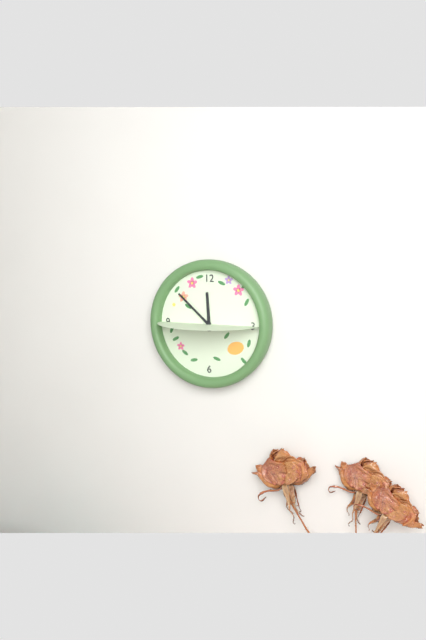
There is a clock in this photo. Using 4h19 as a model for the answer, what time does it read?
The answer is 11h52
